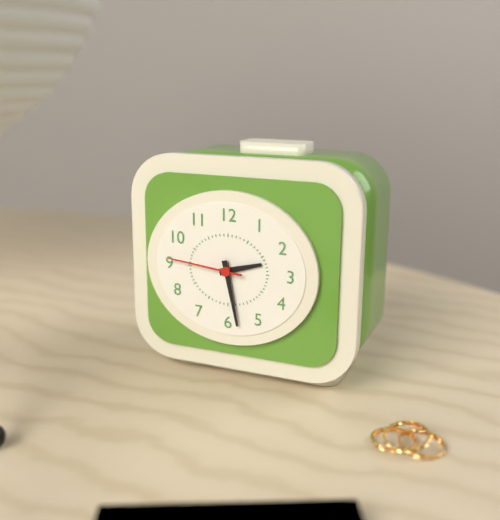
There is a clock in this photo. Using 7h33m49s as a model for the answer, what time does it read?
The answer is 2h28m46s
